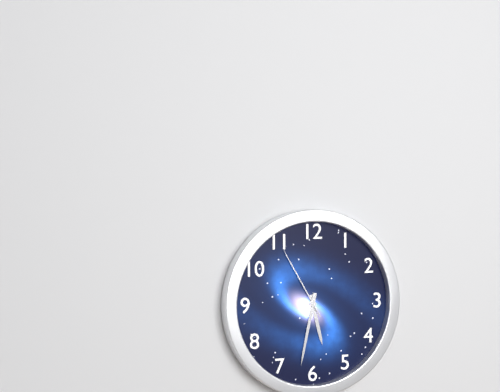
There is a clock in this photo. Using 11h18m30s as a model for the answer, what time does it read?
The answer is 5h32m55s
